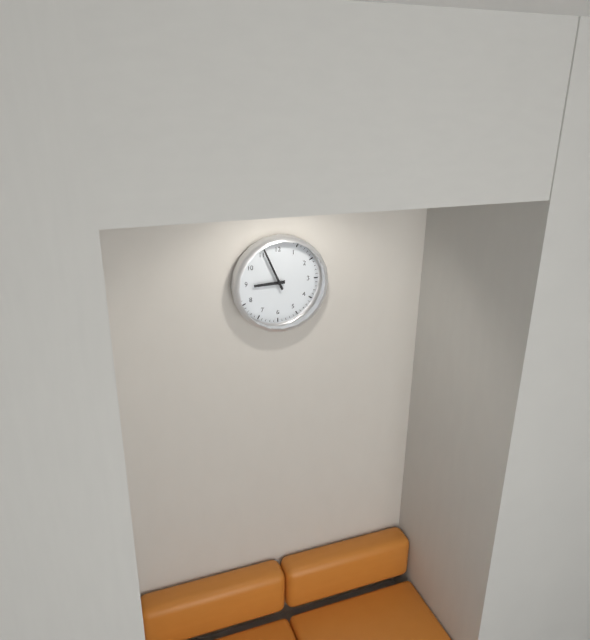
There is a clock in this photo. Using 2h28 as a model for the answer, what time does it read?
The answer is 8h56
